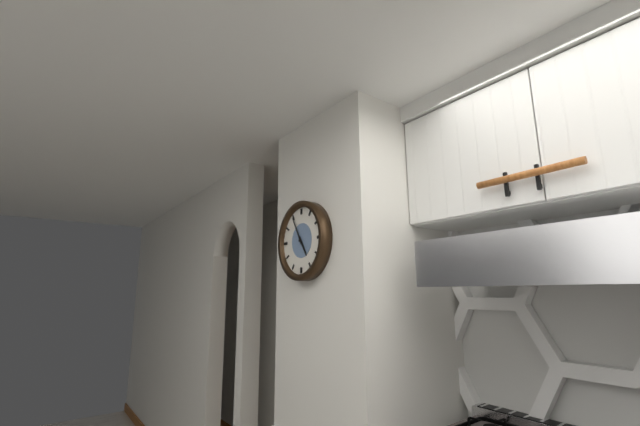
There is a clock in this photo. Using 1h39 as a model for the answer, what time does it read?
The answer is 4h55
